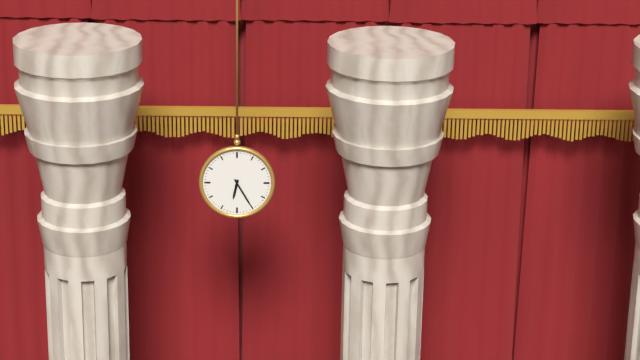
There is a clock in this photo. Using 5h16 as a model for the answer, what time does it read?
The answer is 6h25
